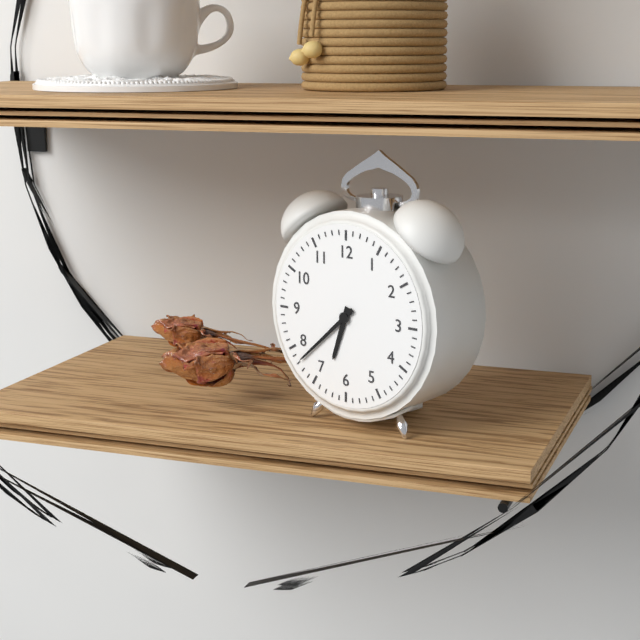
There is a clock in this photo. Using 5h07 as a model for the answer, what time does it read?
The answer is 6h38
